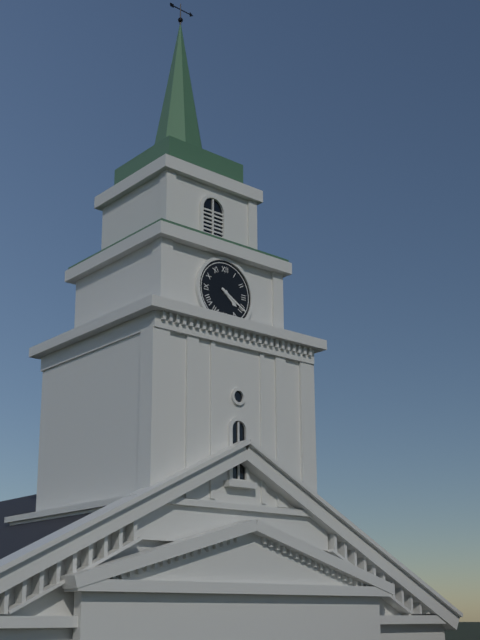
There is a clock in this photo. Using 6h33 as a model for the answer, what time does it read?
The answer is 4h20
